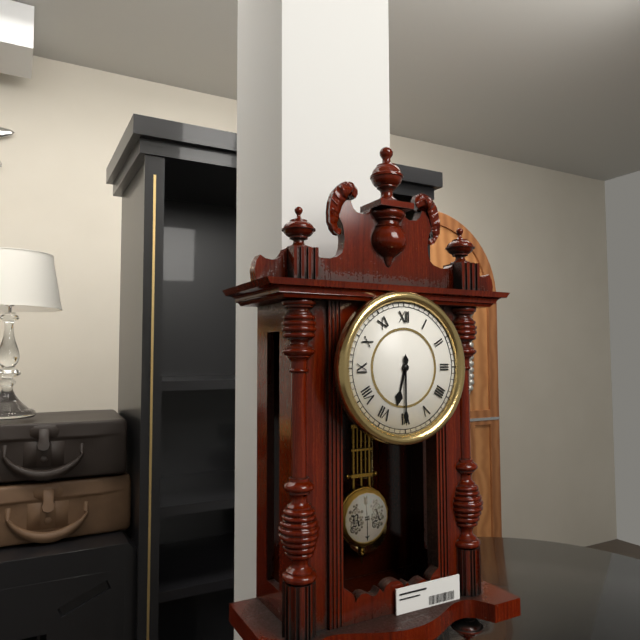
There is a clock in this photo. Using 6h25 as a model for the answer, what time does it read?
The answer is 6h30
